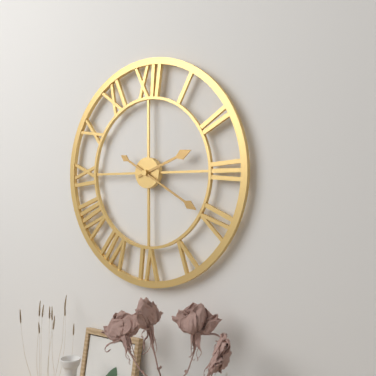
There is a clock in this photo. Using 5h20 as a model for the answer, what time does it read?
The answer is 2h20
